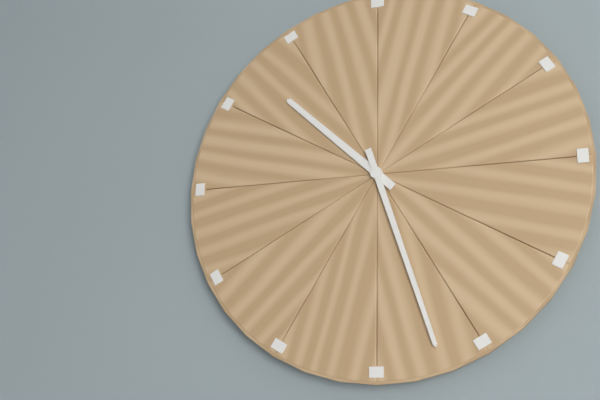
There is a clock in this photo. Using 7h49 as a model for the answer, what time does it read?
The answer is 10h27
